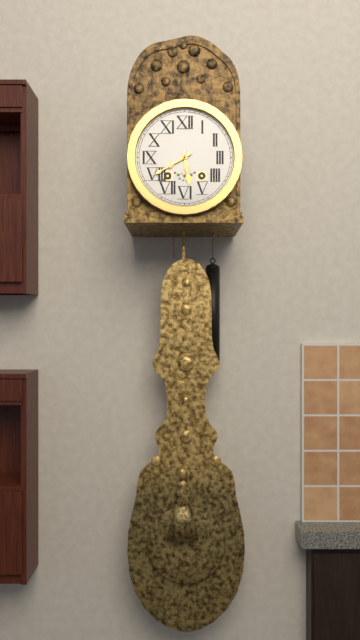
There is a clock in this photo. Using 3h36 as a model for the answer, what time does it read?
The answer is 5h40
